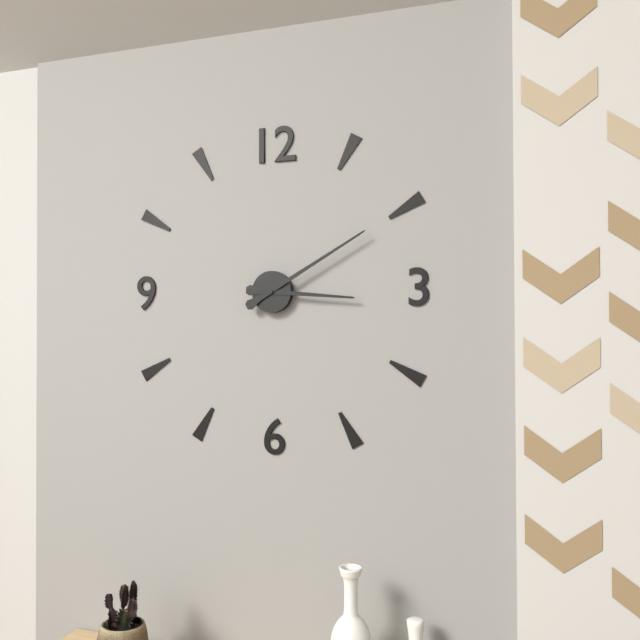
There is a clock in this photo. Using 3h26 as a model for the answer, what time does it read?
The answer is 3h10
